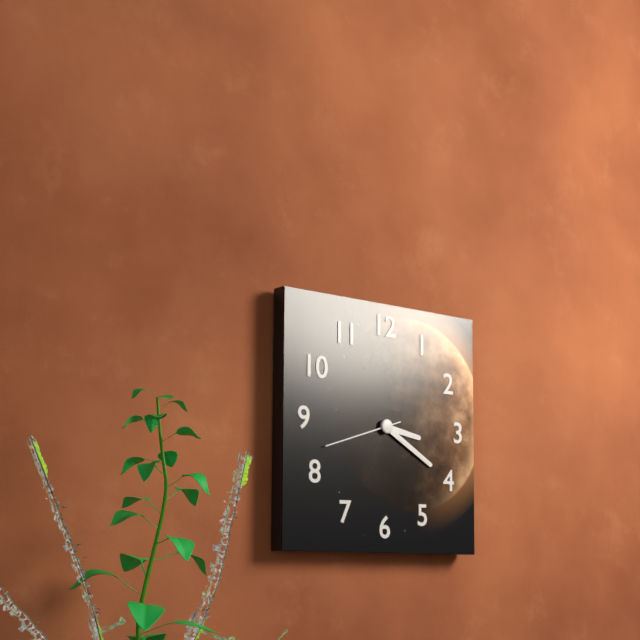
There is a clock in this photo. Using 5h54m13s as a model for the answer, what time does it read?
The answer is 3h20m42s
